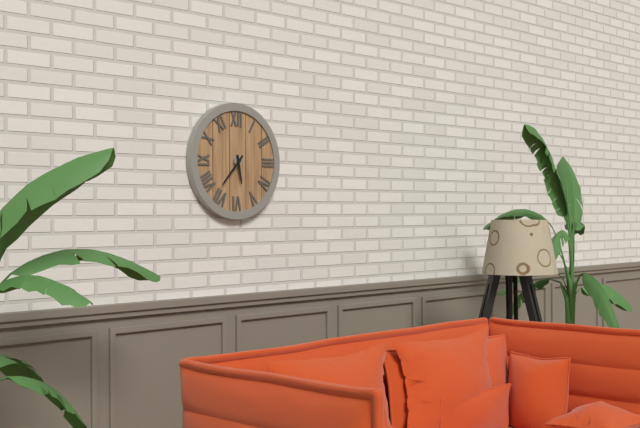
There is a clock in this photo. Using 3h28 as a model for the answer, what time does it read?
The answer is 5h37
